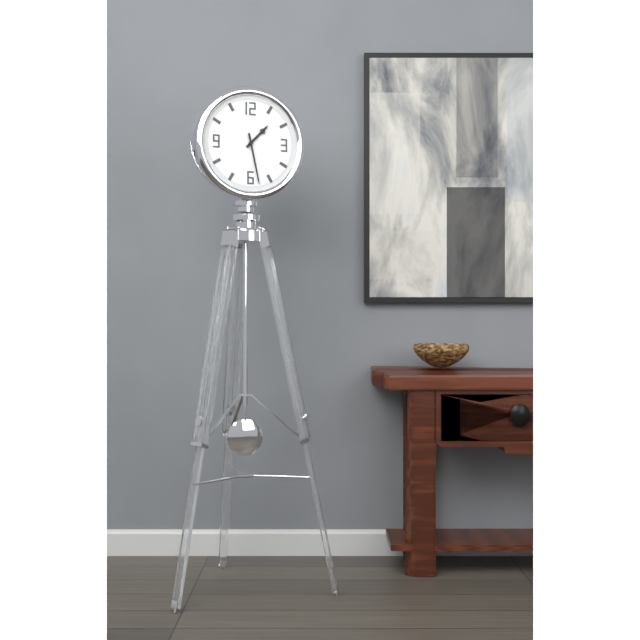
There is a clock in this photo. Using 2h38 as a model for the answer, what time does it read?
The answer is 1h28
